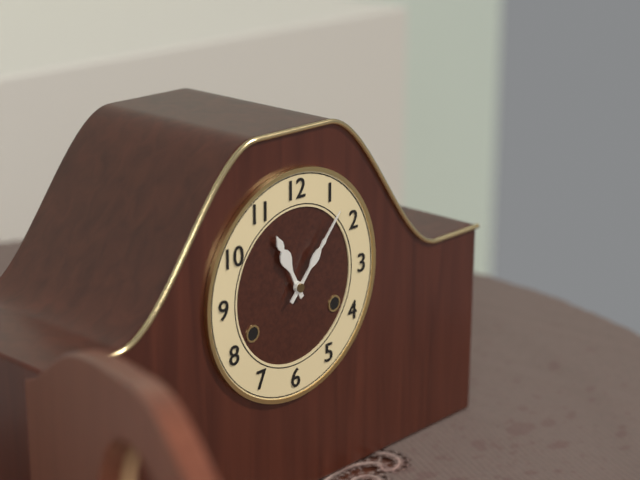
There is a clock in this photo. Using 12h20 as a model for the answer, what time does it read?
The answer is 11h07
